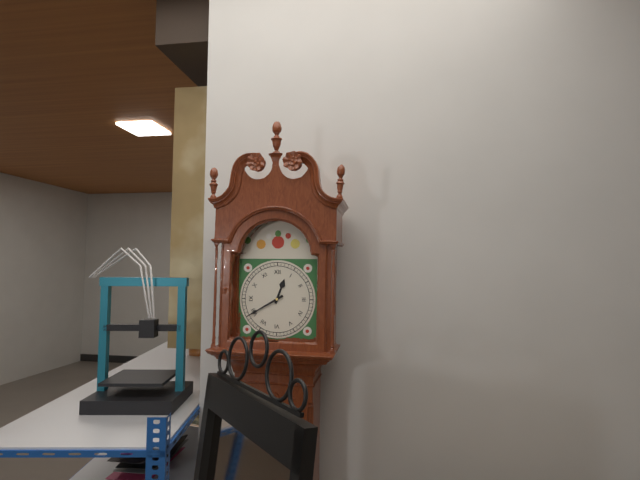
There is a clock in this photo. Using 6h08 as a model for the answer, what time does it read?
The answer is 12h40
